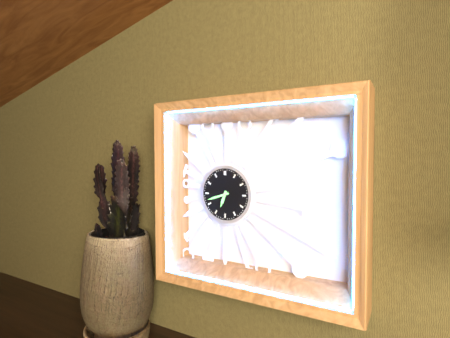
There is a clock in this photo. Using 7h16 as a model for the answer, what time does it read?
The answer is 6h42
